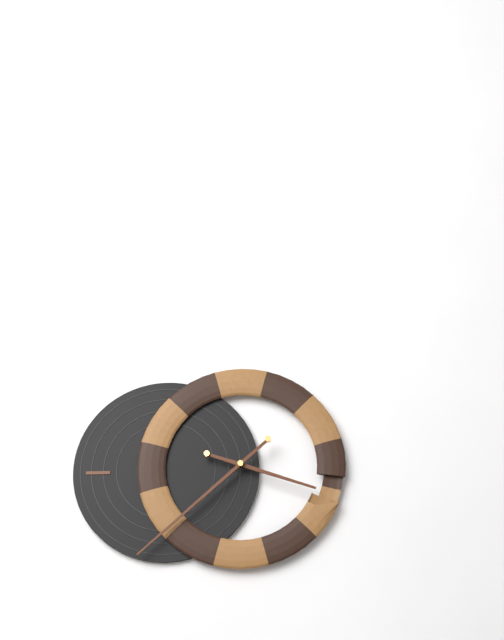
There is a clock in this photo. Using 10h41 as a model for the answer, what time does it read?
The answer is 3h38
